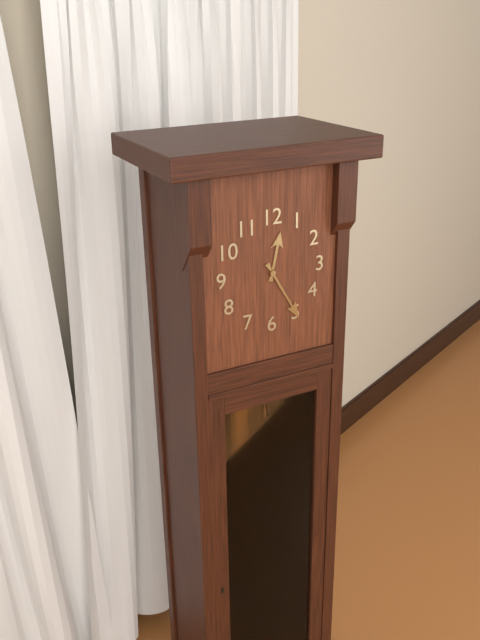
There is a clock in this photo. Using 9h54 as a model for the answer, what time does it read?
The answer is 12h25
